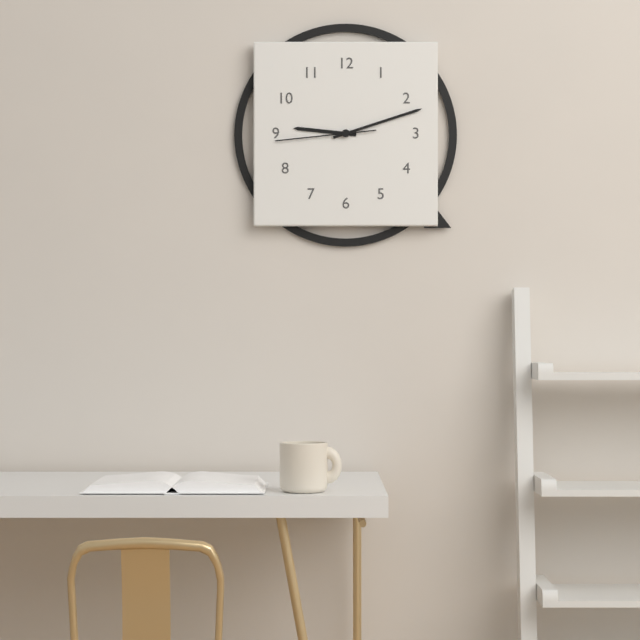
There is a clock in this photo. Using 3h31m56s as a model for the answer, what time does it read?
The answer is 9h12m44s
